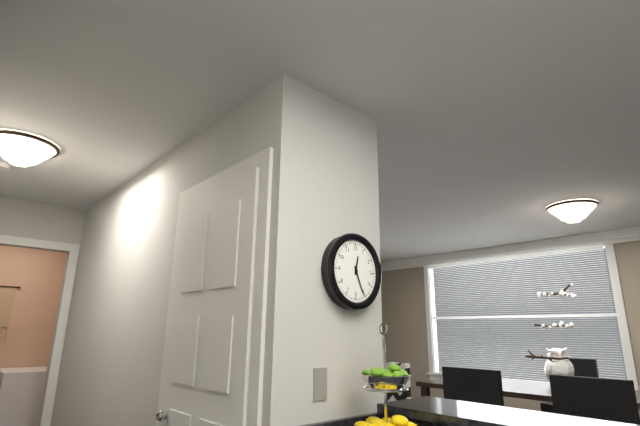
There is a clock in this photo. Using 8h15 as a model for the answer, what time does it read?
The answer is 12h26
